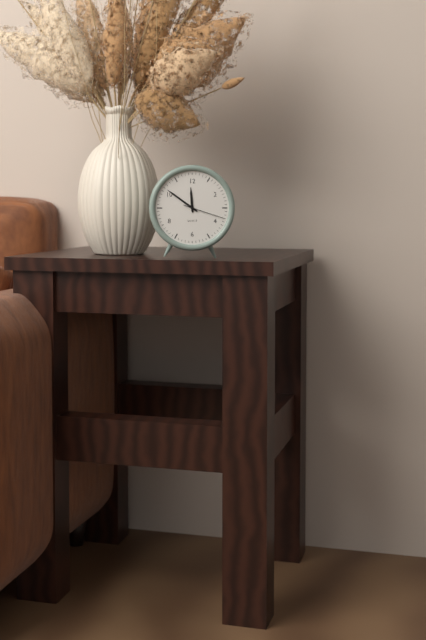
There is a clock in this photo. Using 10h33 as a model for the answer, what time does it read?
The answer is 11h51
